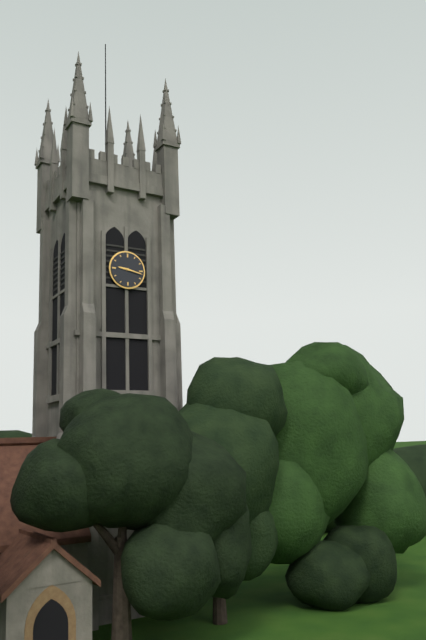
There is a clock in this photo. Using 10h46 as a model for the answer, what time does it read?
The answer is 9h17
